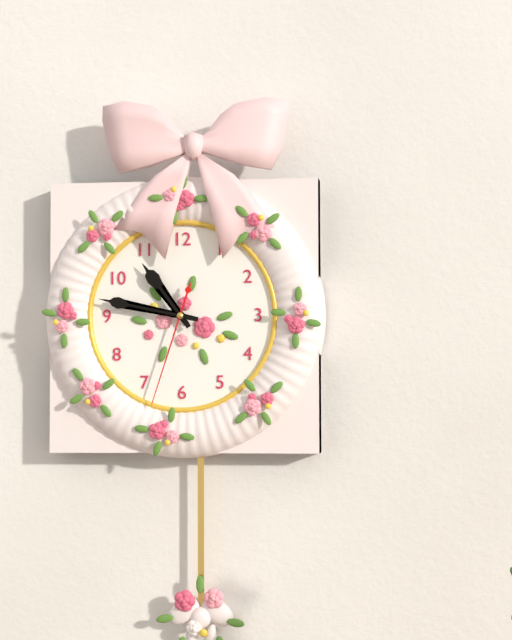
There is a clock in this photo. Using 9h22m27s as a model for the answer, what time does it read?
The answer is 10h47m33s
